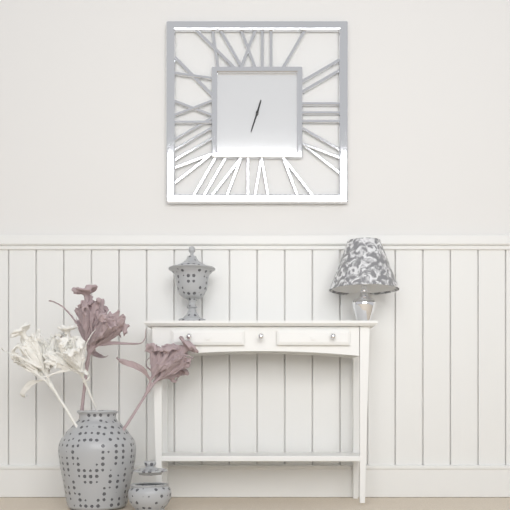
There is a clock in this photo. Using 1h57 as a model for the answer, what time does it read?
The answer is 12h33
